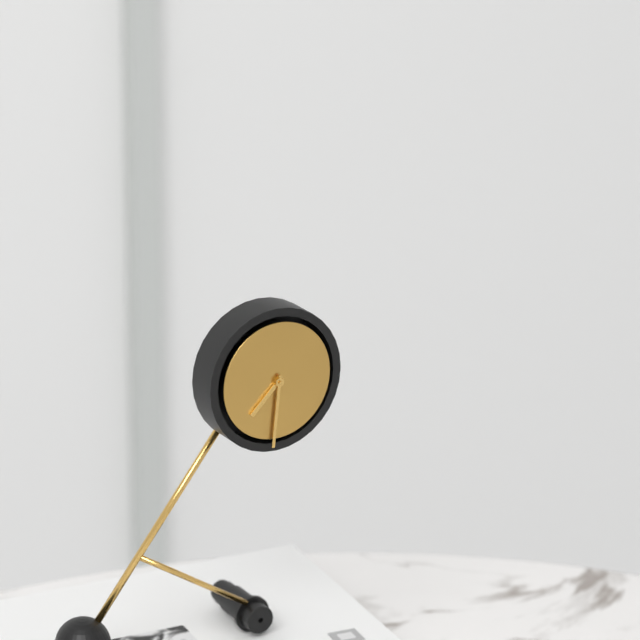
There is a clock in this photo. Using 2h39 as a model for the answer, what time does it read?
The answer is 7h31
